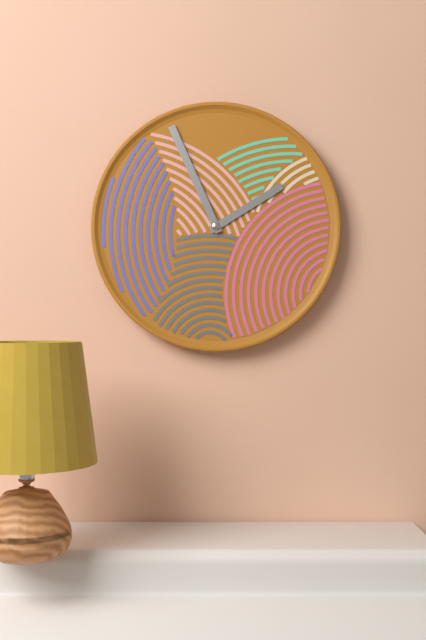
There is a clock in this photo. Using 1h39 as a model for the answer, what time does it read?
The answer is 1h56
